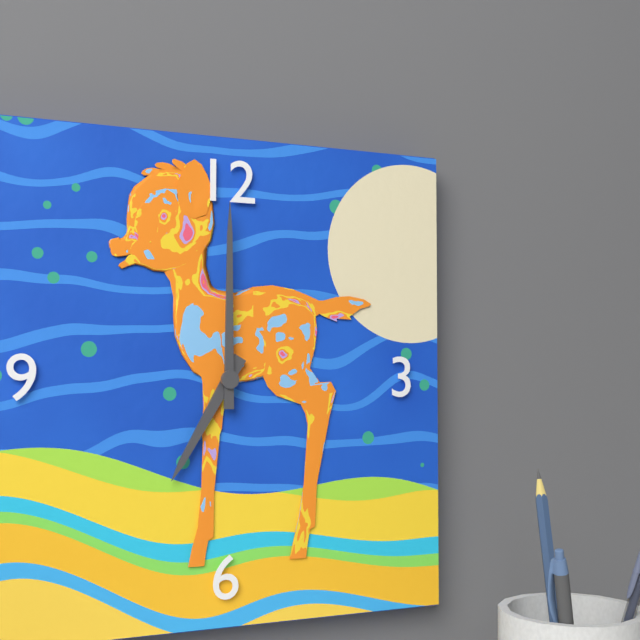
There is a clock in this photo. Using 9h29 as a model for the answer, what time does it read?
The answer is 7h00
